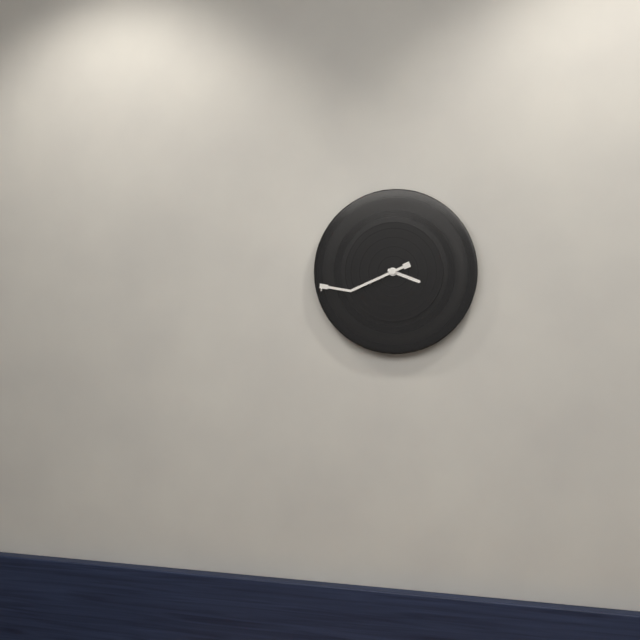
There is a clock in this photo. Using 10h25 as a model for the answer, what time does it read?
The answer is 3h41
